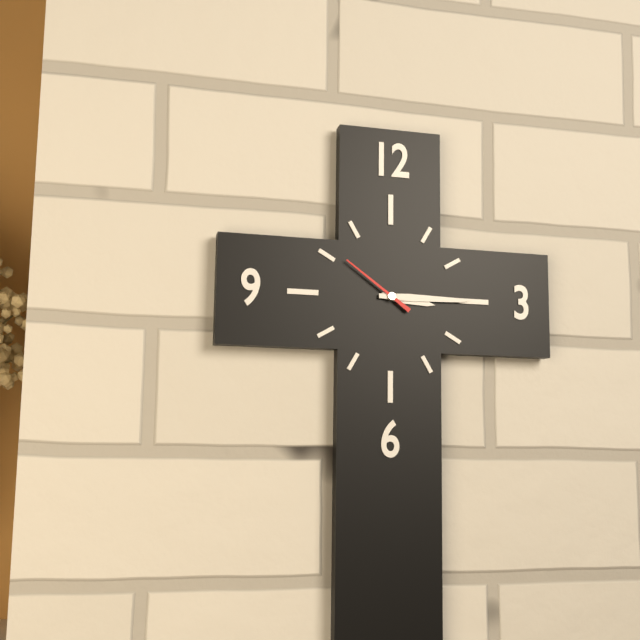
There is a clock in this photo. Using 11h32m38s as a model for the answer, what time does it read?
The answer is 3h15m51s
